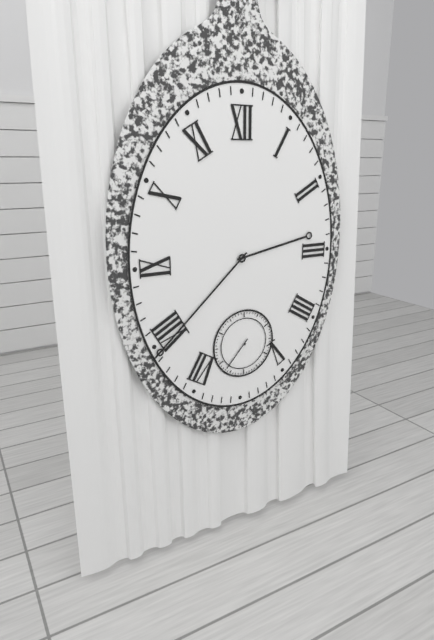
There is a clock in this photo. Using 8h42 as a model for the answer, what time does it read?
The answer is 2h38
